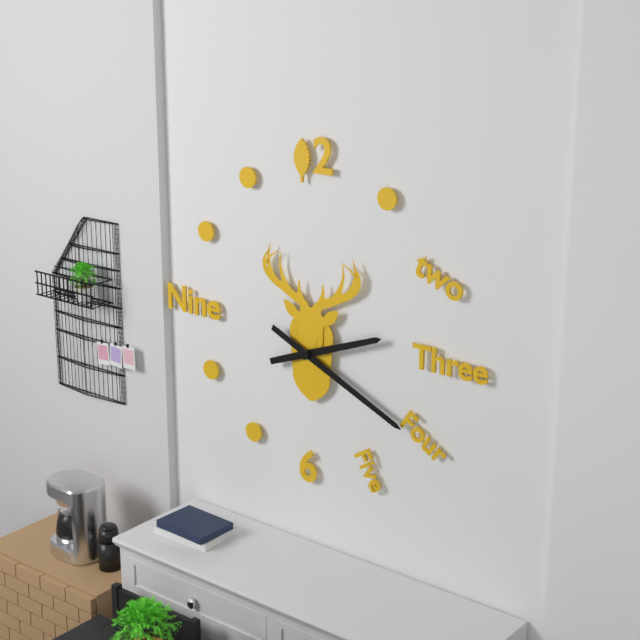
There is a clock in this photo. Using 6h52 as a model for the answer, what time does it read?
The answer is 2h19
